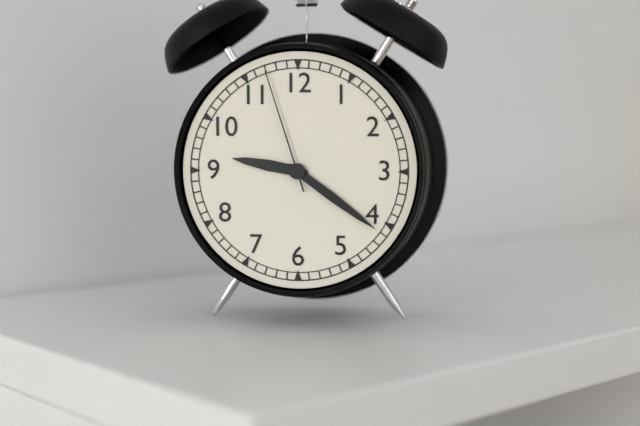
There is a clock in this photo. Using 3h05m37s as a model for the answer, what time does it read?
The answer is 9h21m57s
